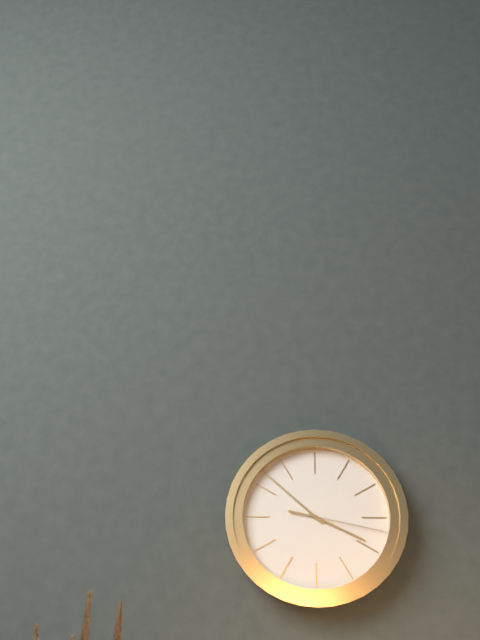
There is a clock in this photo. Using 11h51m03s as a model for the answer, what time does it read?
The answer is 3h52m17s
